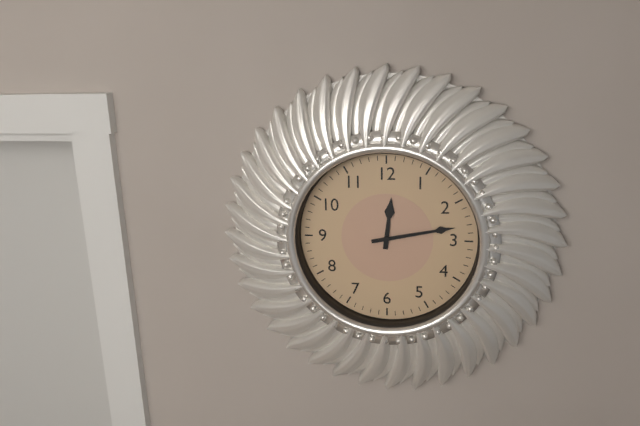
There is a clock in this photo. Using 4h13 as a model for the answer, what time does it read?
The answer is 12h13
